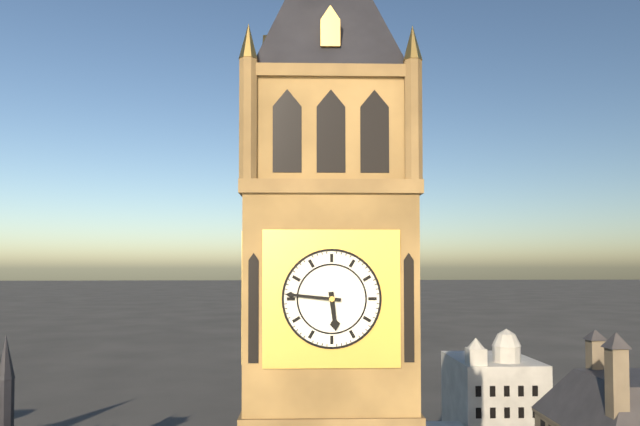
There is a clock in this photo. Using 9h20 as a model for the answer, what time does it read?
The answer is 5h46
